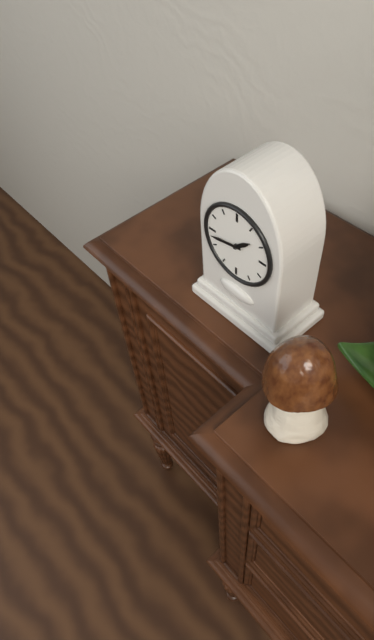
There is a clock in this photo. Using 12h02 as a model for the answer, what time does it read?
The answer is 1h43
